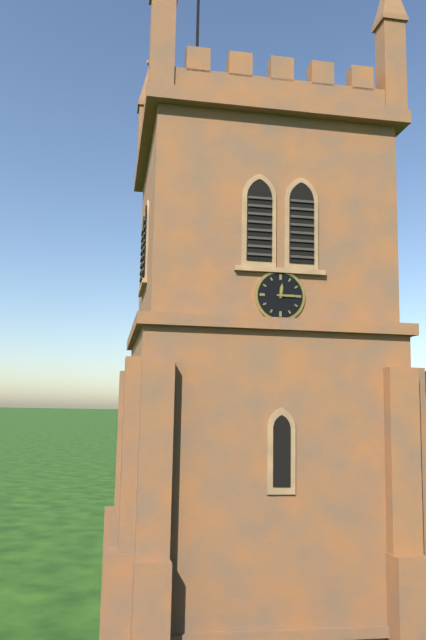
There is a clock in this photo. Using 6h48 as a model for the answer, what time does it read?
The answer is 12h15
